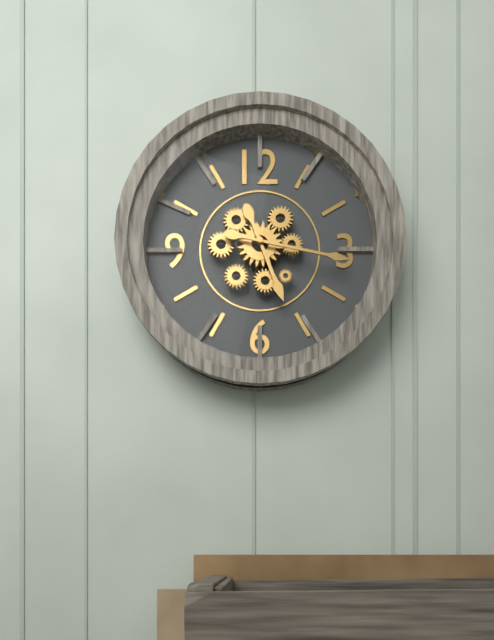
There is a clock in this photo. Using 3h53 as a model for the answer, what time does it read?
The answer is 5h17
